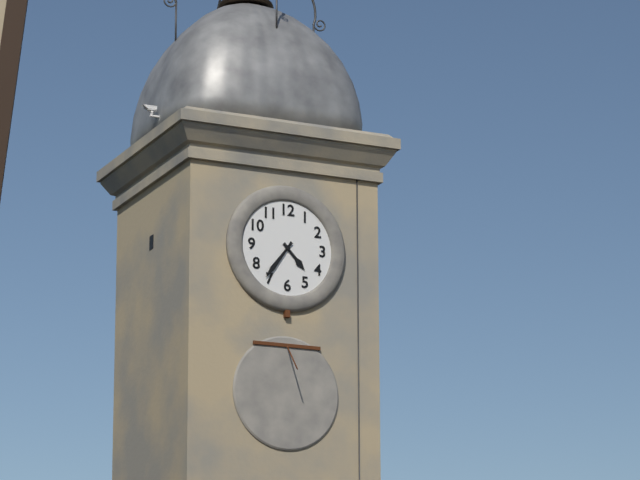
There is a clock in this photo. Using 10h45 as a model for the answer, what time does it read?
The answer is 4h36
